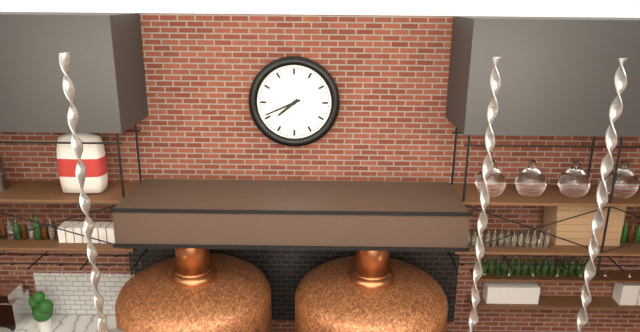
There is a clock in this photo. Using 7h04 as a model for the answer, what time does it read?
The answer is 7h41
